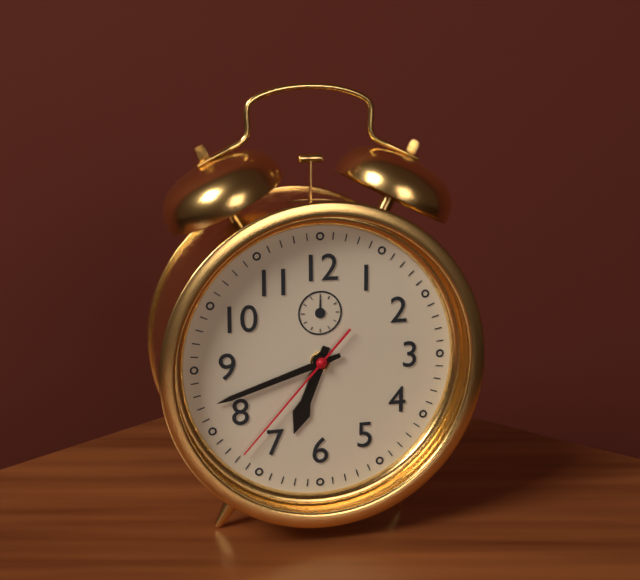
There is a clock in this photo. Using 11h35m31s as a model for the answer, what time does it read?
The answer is 6h42m37s
